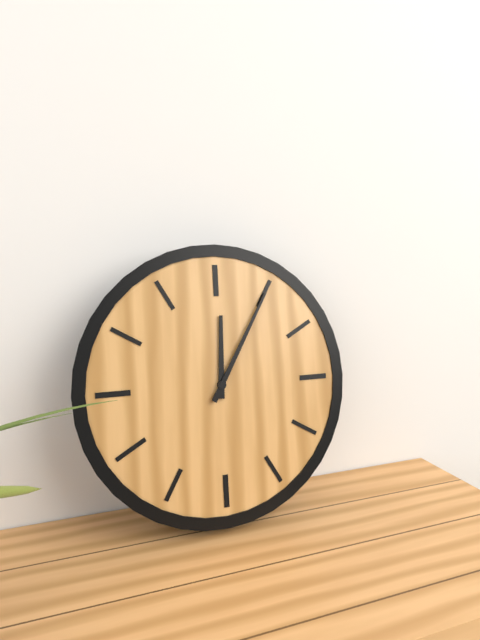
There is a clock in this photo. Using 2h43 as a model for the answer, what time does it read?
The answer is 12h05
